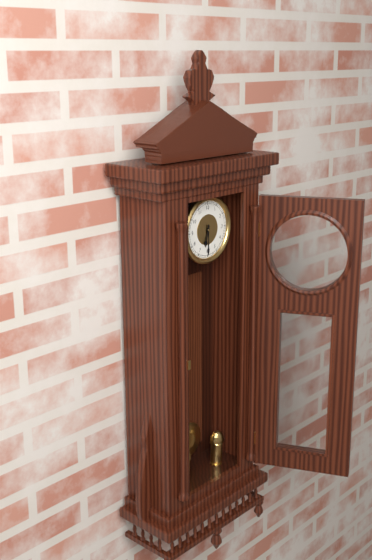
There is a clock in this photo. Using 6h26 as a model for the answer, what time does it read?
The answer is 6h30
